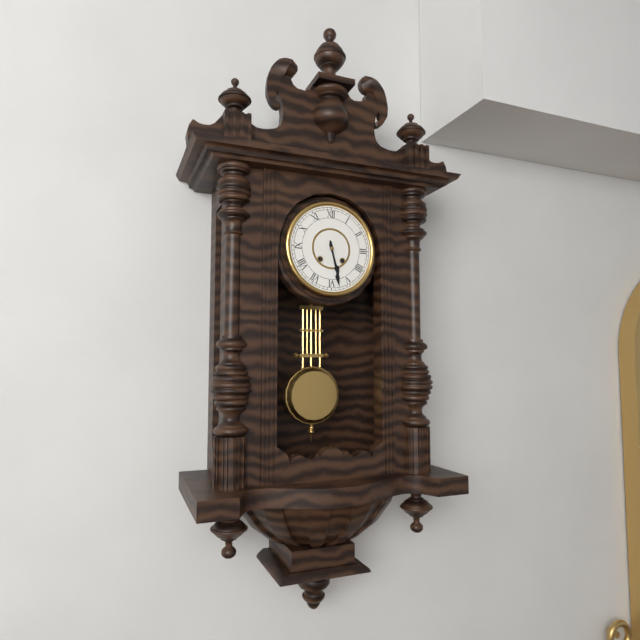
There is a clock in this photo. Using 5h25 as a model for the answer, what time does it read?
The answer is 5h28
